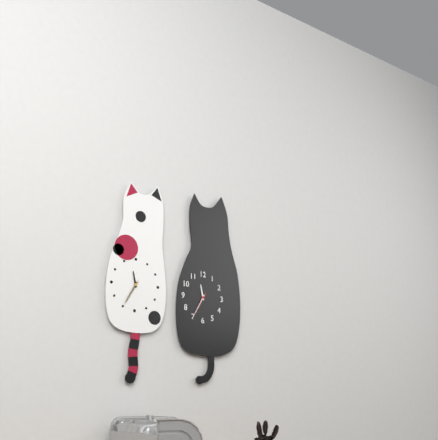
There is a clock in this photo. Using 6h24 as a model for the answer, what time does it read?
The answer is 11h35
